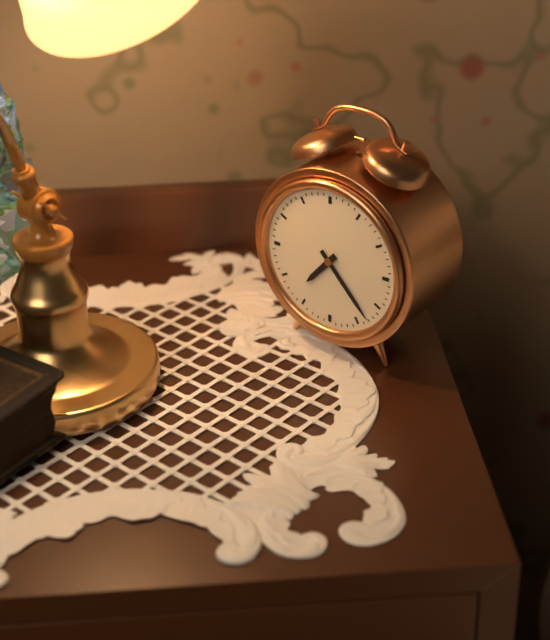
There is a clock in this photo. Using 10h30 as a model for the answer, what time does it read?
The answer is 7h23
